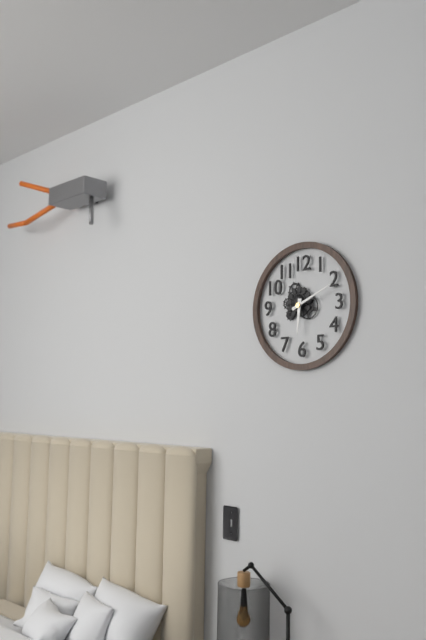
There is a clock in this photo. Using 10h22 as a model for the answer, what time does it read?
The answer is 6h11
